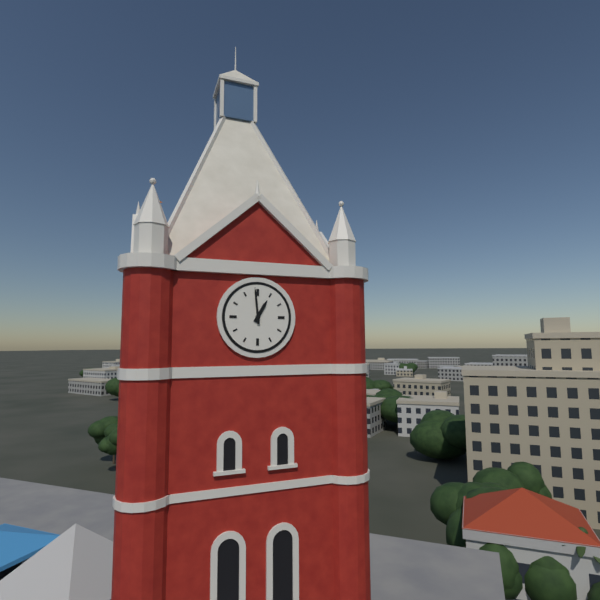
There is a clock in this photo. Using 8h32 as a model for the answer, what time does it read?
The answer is 12h59
